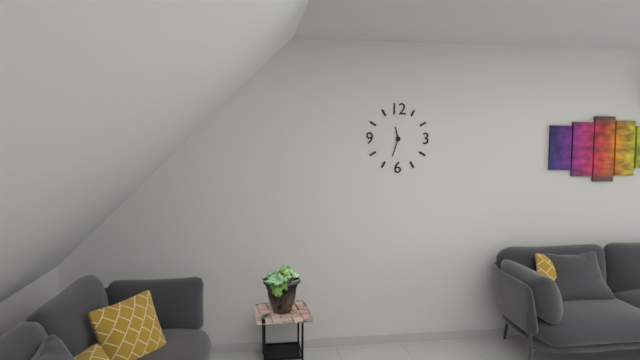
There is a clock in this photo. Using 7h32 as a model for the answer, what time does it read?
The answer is 11h33
